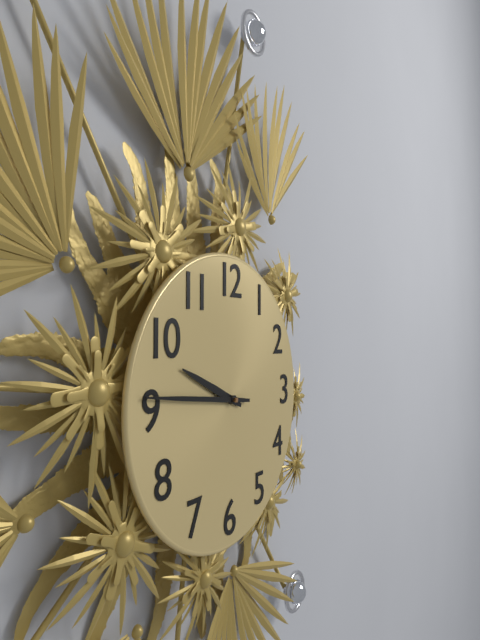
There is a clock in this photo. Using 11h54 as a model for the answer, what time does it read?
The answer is 9h46
